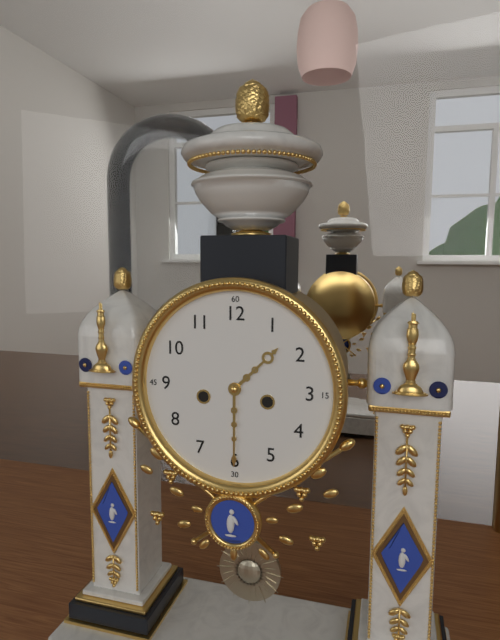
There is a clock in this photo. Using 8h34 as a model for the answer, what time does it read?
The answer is 1h30
